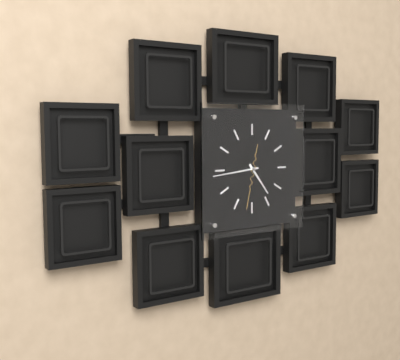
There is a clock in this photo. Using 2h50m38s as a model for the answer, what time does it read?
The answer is 4h44m32s
